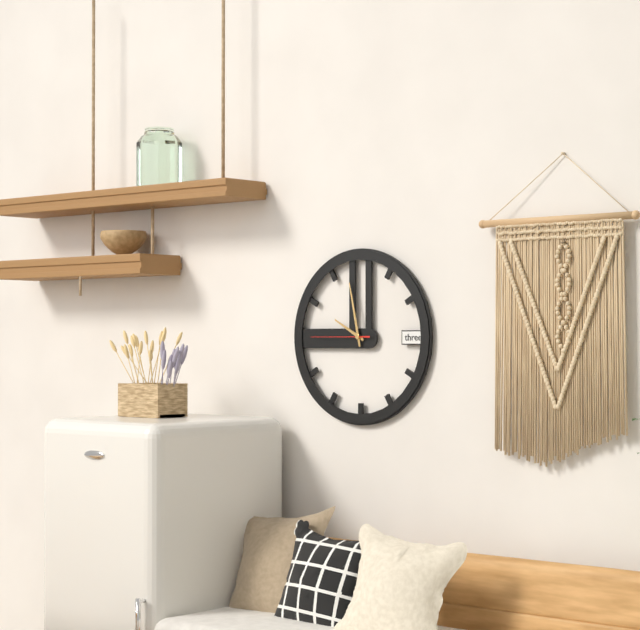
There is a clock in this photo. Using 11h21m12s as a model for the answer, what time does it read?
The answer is 9h58m45s
